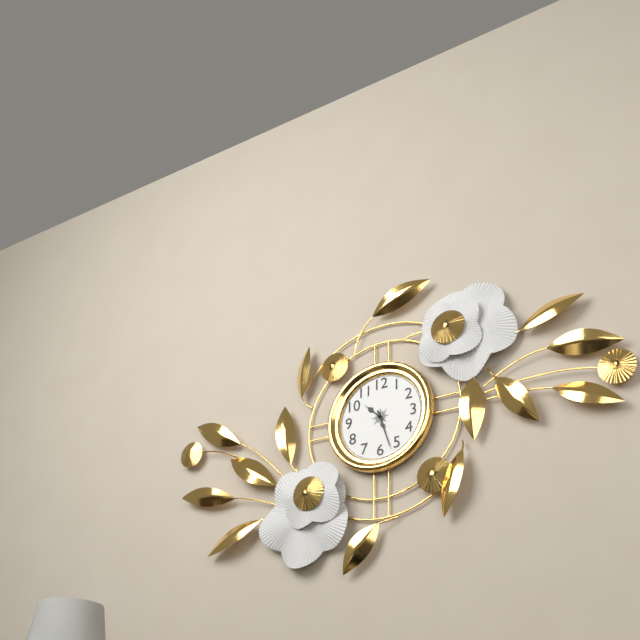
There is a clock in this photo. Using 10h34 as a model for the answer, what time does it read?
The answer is 10h27
